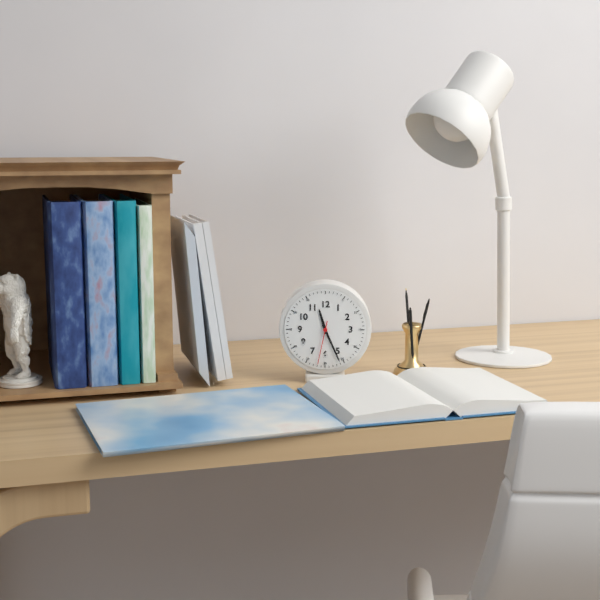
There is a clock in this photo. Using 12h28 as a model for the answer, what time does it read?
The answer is 11h26
